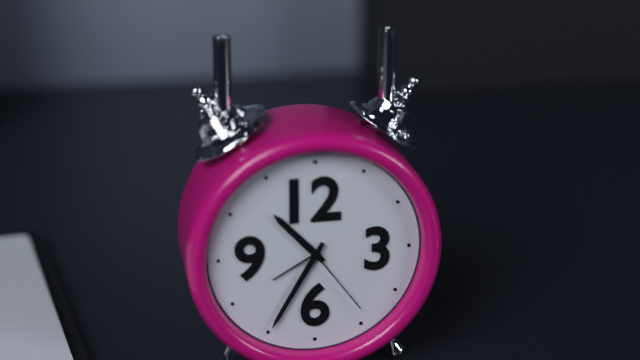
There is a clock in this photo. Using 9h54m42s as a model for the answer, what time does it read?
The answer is 10h35m24s
